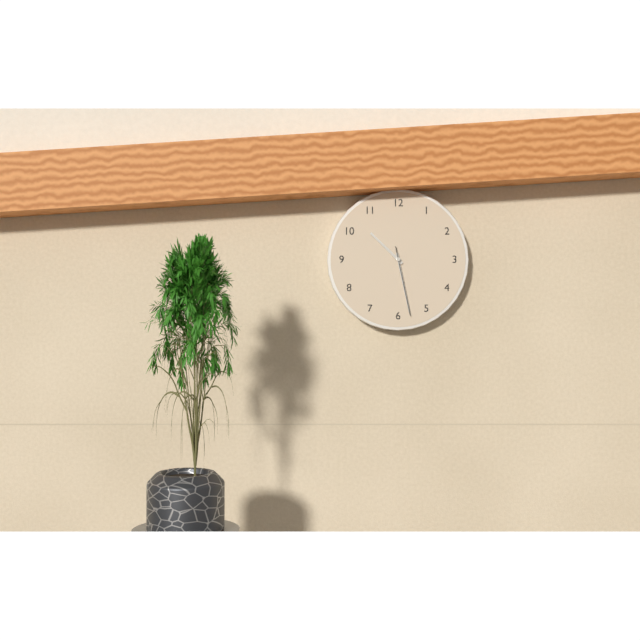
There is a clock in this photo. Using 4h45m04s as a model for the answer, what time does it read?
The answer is 10h28m28s
